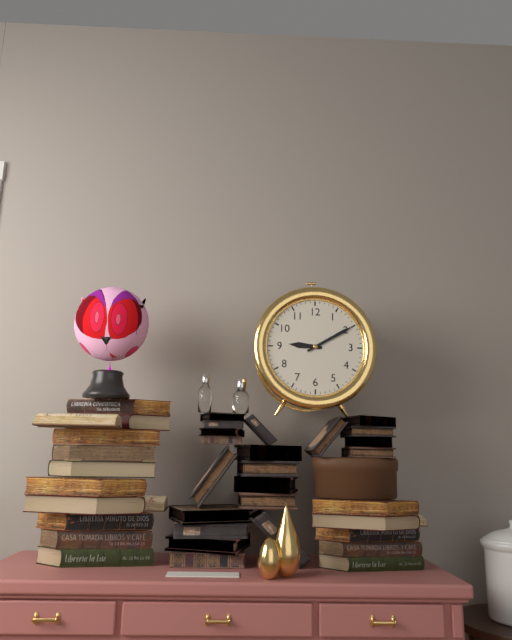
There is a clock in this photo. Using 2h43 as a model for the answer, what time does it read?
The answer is 9h10
